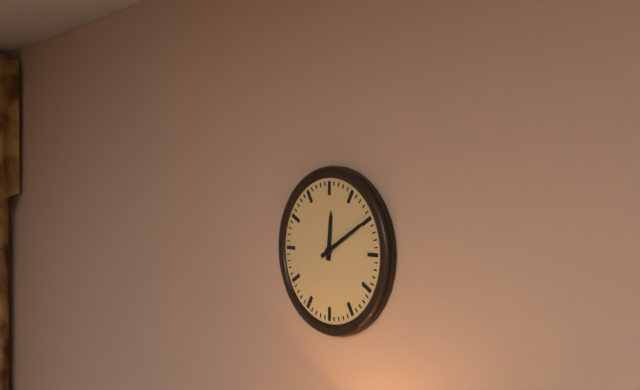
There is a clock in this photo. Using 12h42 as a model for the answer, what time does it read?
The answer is 12h10
